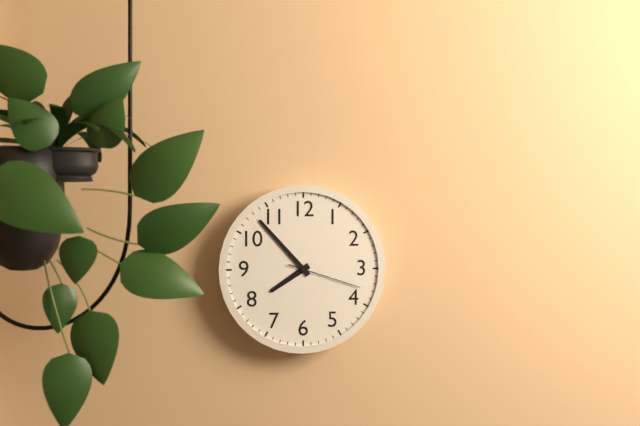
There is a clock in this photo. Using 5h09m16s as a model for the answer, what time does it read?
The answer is 7h53m18s
